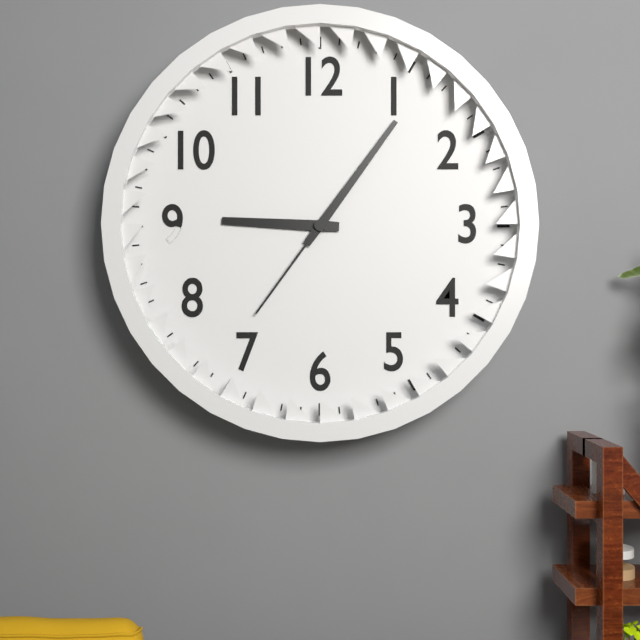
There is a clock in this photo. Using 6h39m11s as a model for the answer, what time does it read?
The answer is 9h06m36s
